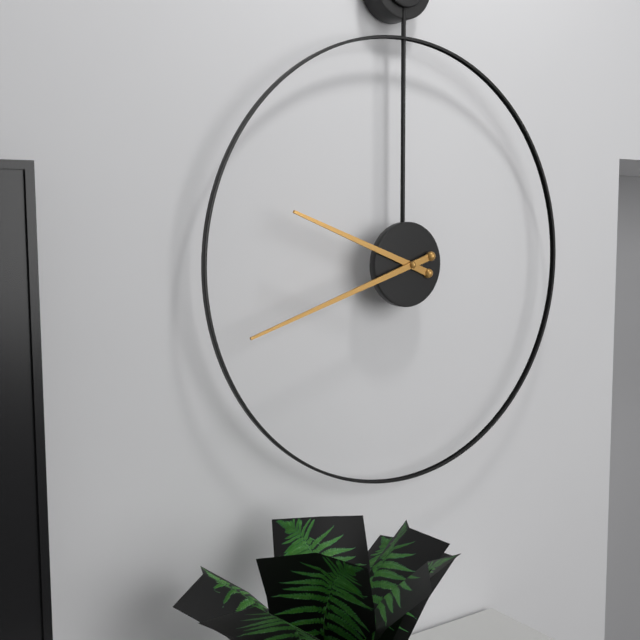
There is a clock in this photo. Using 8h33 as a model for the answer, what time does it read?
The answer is 9h42
